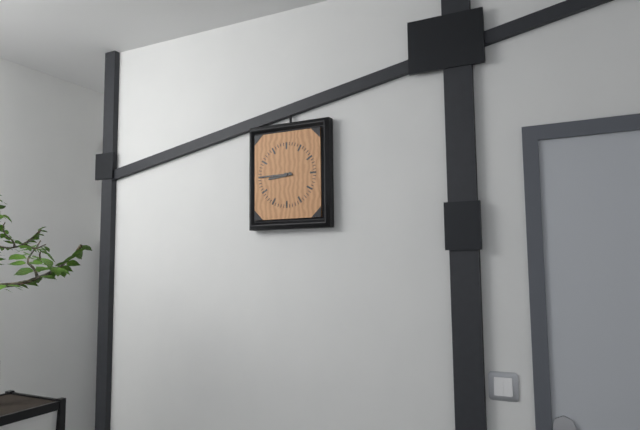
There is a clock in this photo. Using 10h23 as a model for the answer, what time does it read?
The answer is 8h45
